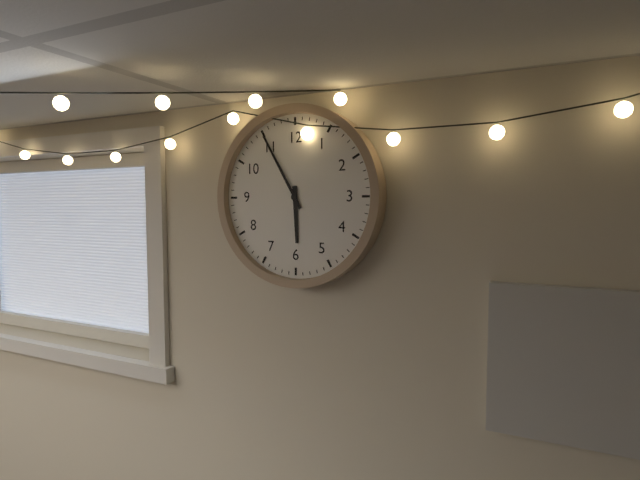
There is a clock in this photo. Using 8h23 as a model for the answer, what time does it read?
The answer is 5h55
